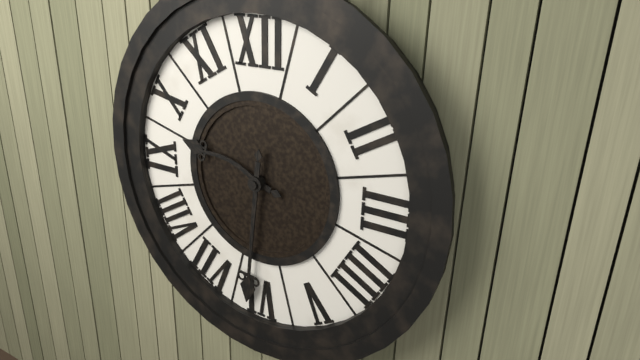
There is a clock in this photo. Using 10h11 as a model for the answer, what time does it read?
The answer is 9h31
